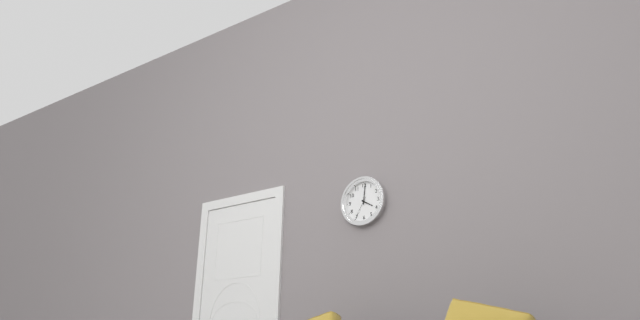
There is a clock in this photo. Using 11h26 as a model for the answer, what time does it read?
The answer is 4h01
